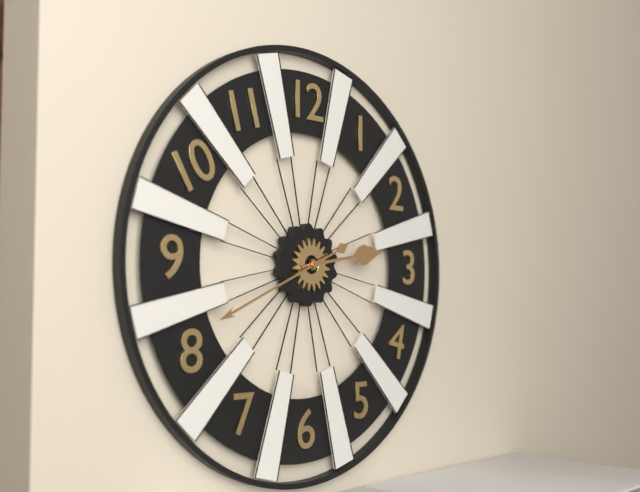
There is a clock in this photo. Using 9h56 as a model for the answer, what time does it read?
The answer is 2h41
